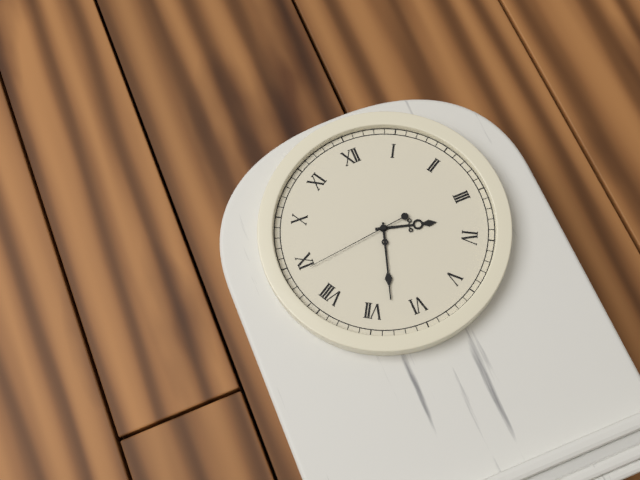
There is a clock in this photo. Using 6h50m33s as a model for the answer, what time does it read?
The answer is 3h33m44s
